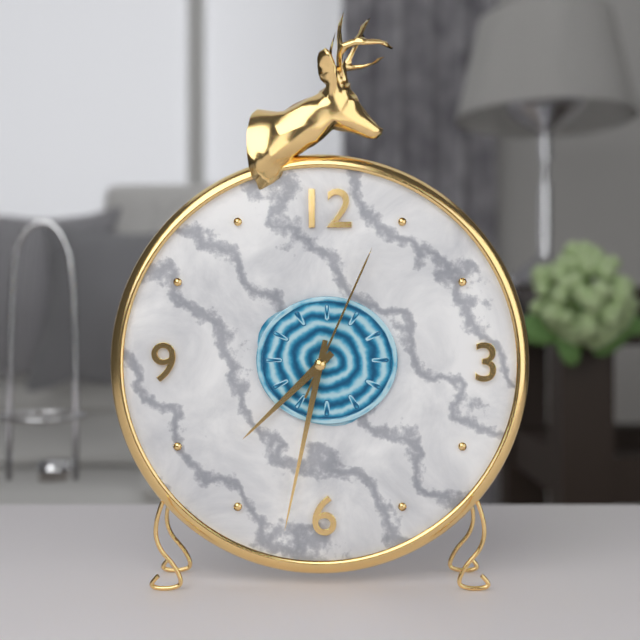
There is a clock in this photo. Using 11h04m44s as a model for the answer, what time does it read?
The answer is 7h32m04s
